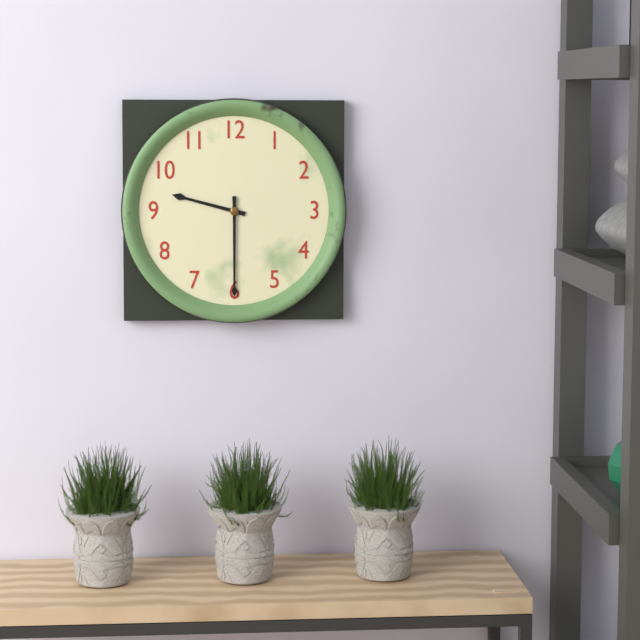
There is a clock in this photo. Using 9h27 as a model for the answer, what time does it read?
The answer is 9h30
